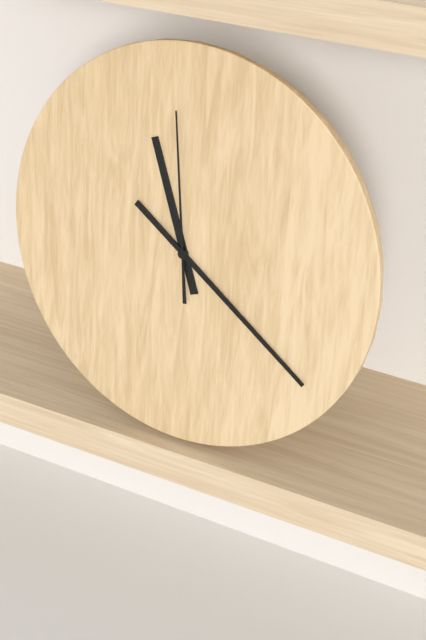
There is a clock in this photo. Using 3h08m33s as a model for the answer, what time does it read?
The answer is 11h21m59s
